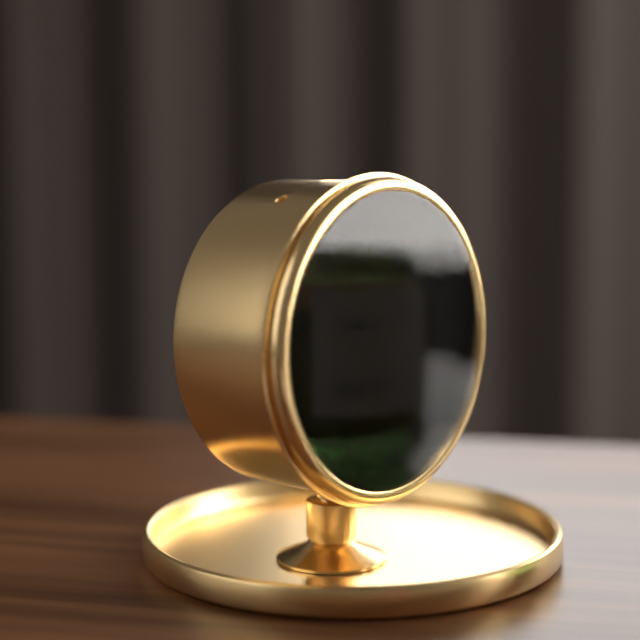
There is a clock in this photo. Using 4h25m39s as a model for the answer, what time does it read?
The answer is 5h14m26s
